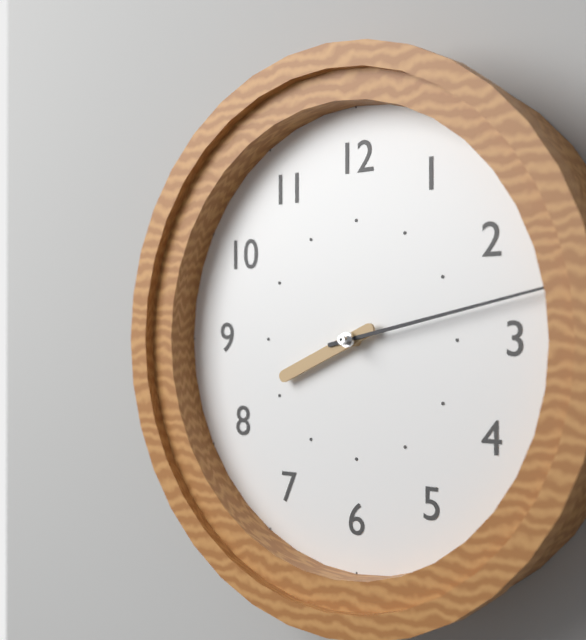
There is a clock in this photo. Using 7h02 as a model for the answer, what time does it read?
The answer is 8h13
